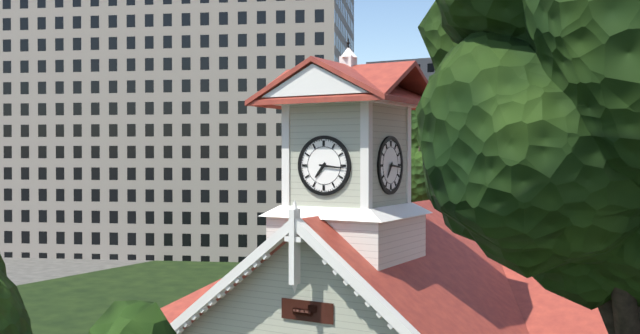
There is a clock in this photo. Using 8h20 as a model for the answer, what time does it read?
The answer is 7h16
